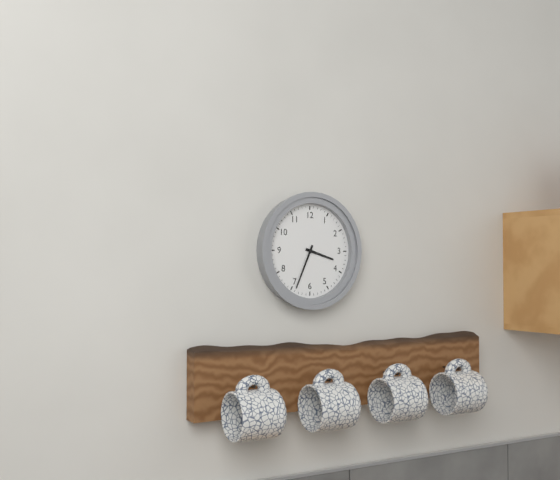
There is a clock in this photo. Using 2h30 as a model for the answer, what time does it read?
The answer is 3h34
